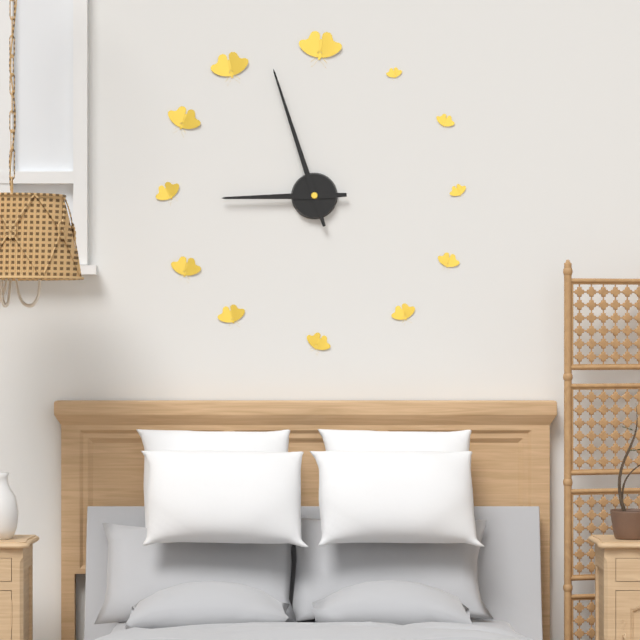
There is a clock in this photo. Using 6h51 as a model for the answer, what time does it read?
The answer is 8h57
